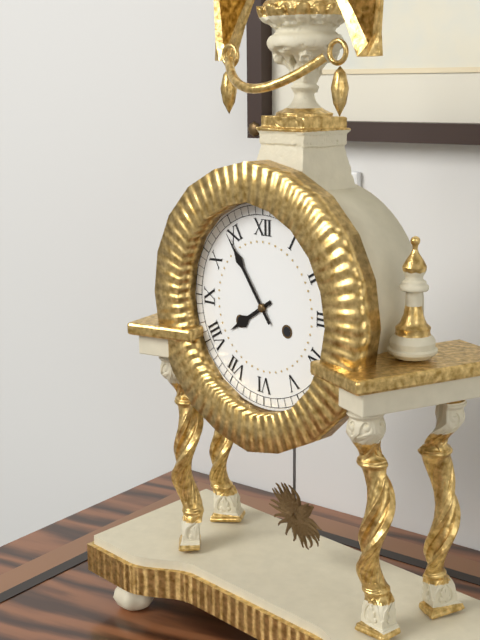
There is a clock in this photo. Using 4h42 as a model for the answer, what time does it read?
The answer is 7h54
